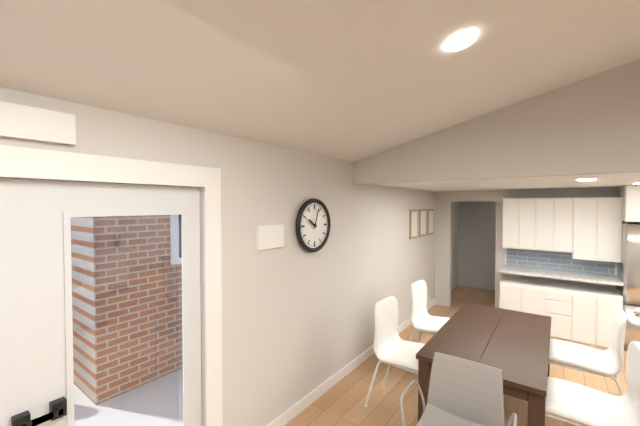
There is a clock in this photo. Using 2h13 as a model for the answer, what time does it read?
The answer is 10h03
